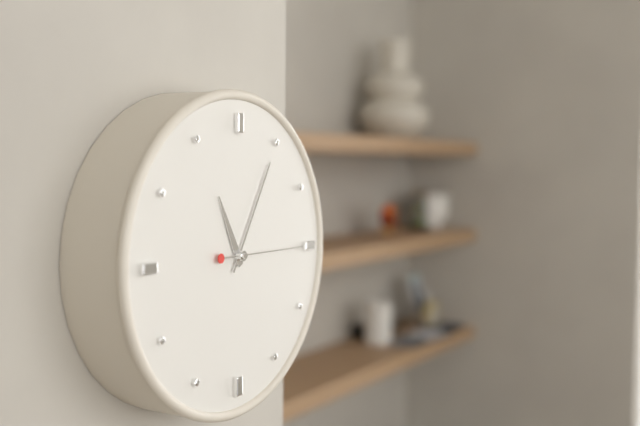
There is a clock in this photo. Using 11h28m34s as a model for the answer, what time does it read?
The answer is 11h05m15s
